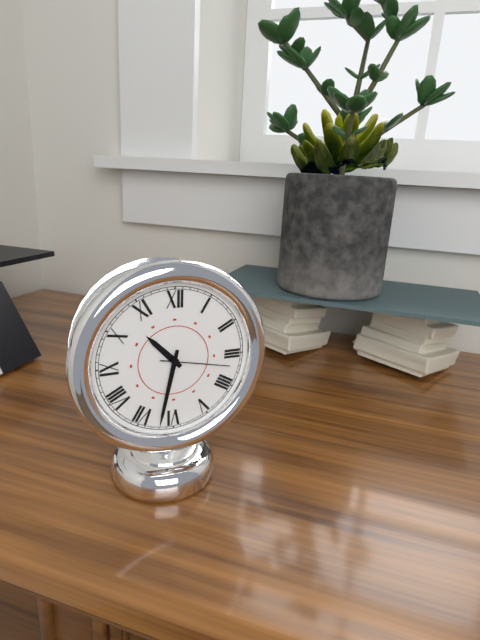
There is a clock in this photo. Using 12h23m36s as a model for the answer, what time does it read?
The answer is 10h32m17s
